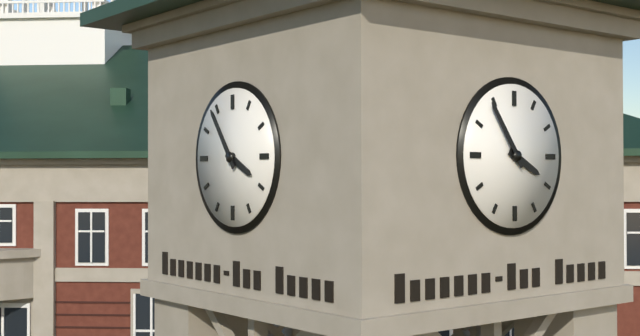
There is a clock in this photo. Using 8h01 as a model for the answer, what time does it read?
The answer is 3h54
